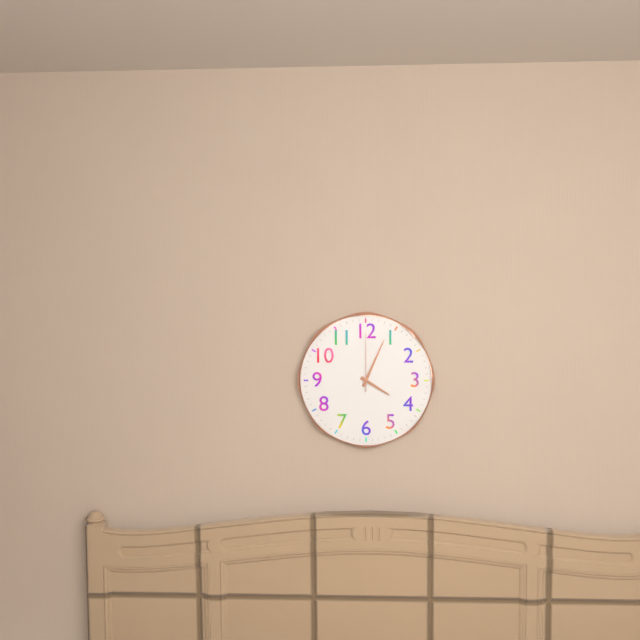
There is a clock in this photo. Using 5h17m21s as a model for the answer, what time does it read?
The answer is 4h04m00s
